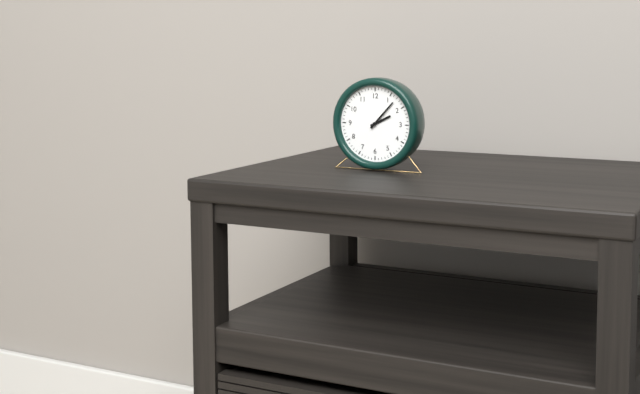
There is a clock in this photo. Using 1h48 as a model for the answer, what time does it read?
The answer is 2h07
